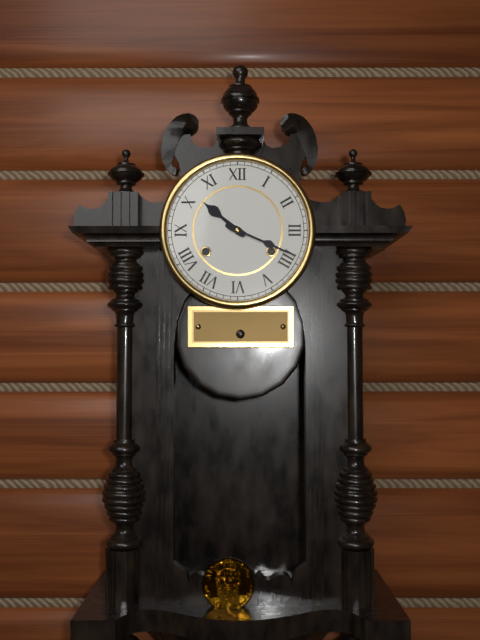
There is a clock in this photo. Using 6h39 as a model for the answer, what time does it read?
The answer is 10h19
